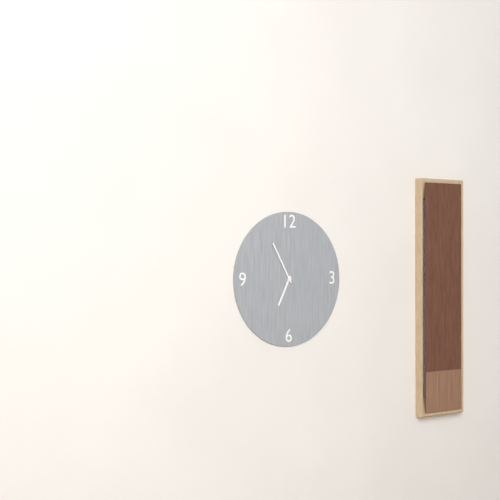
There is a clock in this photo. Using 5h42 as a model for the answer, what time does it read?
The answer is 6h55
